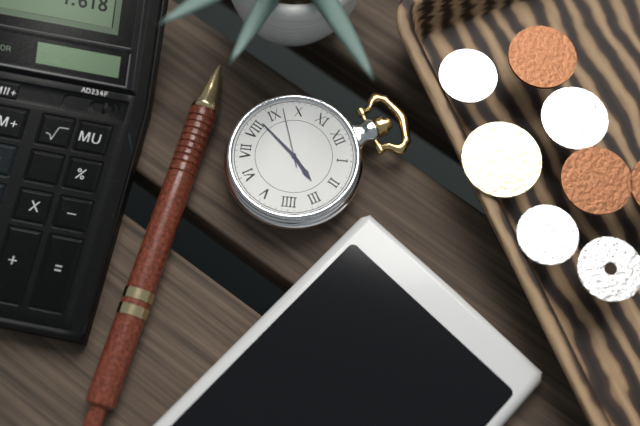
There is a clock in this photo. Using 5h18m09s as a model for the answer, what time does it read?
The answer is 2h42m47s
